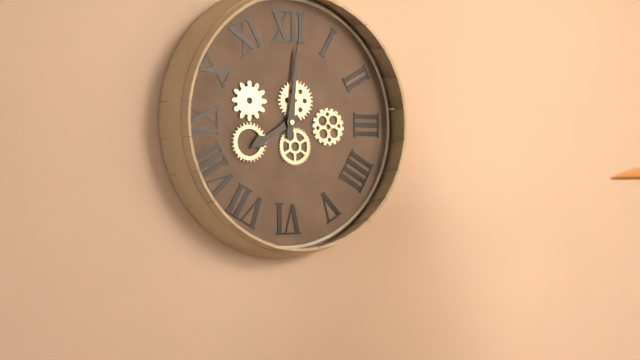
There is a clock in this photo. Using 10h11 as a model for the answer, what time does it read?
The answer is 8h01
